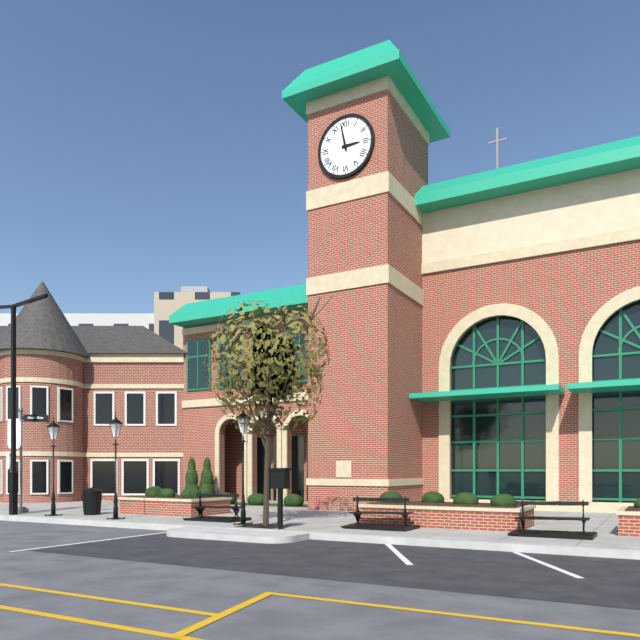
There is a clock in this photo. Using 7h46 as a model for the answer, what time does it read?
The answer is 2h58
